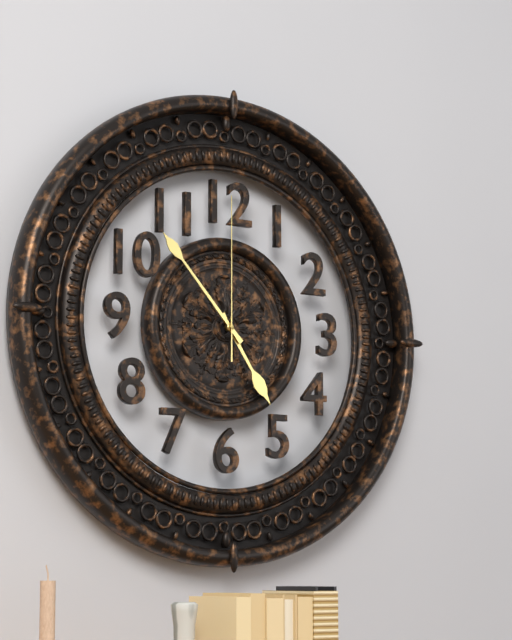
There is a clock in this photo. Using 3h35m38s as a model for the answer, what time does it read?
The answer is 4h53m00s
